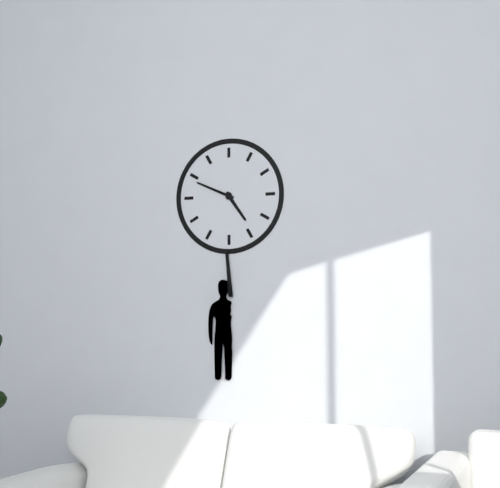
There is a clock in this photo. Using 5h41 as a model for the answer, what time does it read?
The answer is 4h49
